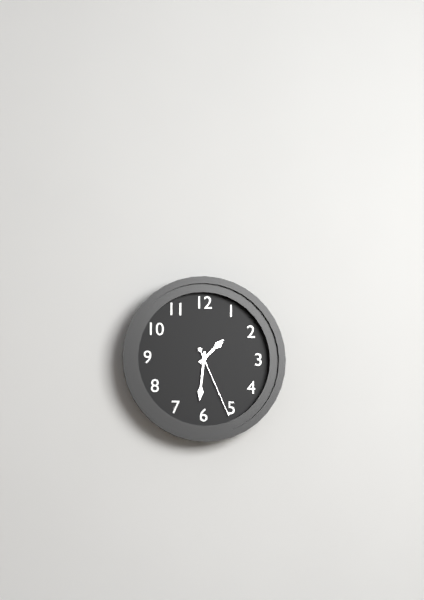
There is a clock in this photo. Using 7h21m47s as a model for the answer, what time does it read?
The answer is 1h31m26s
